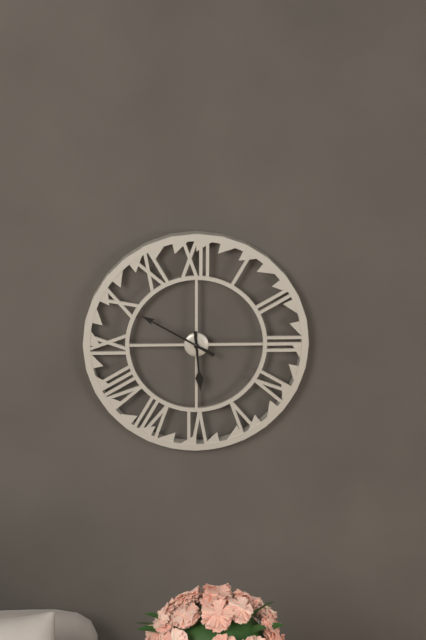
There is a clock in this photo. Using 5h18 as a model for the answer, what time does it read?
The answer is 5h50
